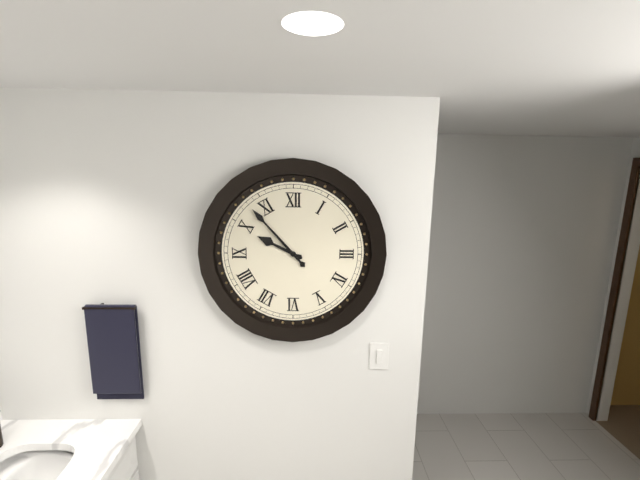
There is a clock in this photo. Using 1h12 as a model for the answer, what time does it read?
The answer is 9h53
